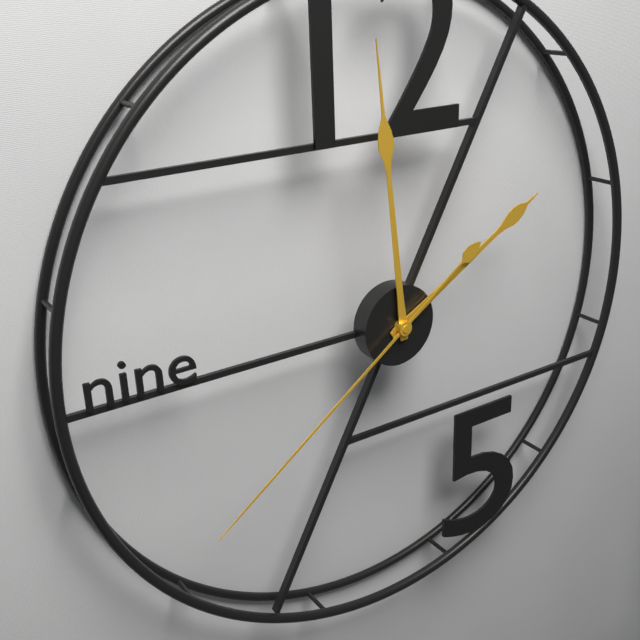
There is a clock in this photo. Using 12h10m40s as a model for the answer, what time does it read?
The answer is 1h59m39s
